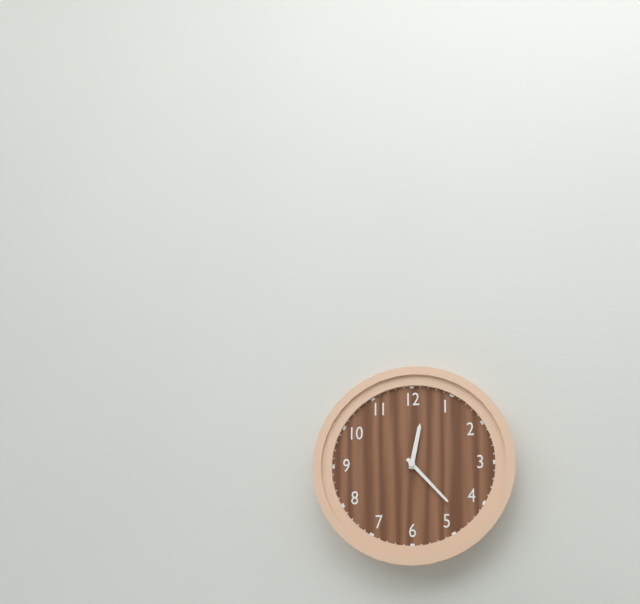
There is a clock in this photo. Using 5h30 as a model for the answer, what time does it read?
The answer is 12h23
